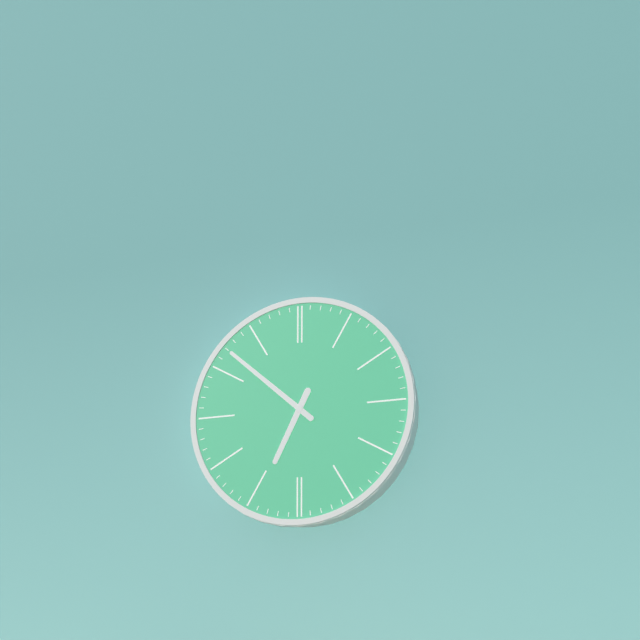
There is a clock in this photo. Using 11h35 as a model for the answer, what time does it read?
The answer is 6h52
